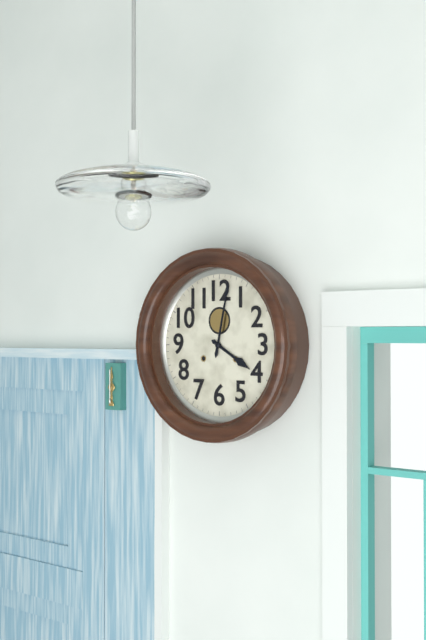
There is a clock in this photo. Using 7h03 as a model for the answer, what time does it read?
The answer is 4h02
